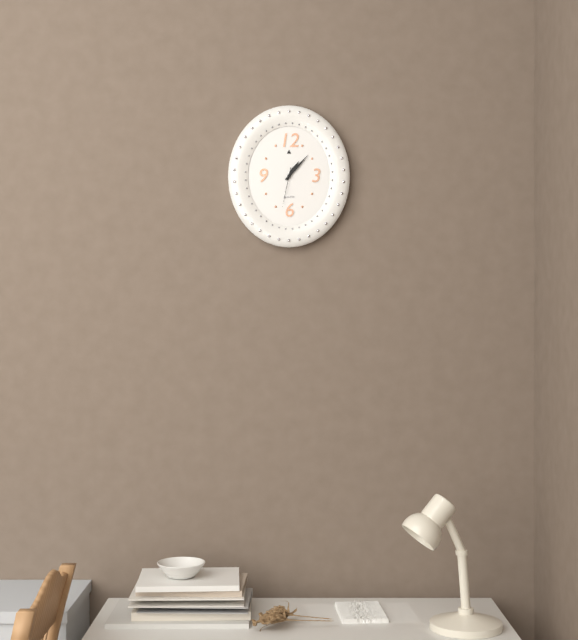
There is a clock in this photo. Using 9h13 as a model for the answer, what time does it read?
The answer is 1h07
